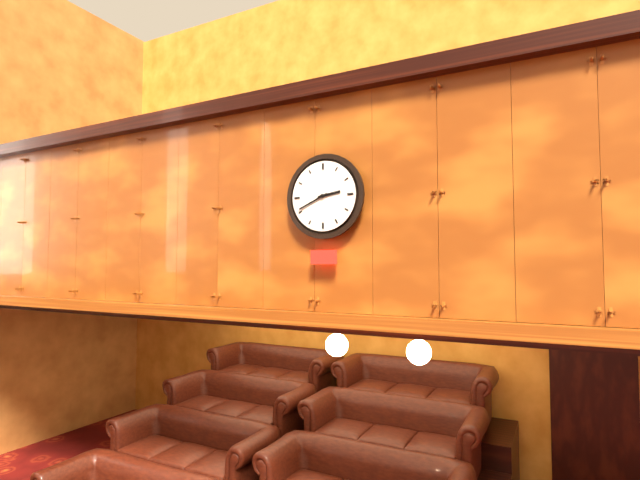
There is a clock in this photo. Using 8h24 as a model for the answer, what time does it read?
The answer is 2h41
